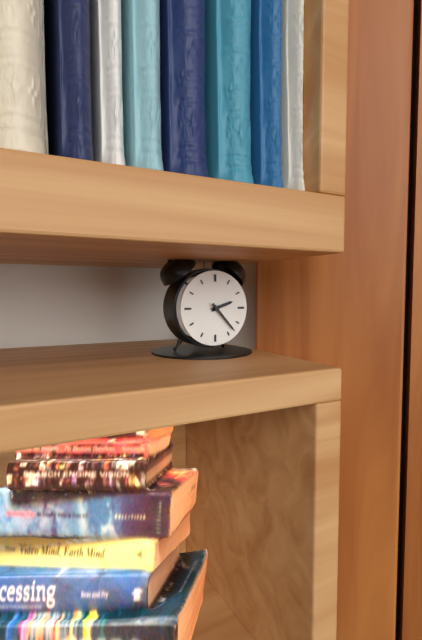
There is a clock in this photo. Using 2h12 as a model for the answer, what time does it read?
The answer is 2h23
